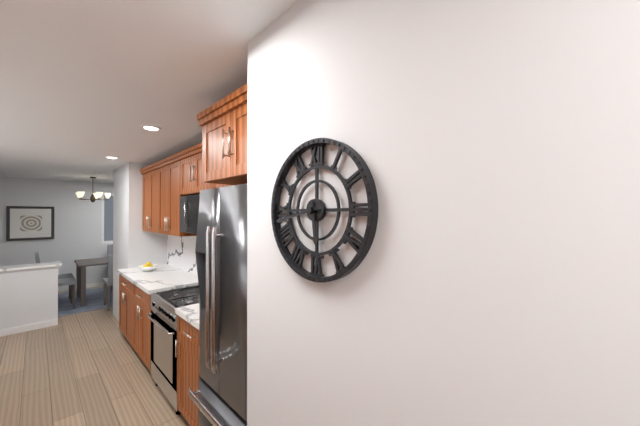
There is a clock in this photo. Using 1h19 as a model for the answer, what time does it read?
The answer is 5h43
